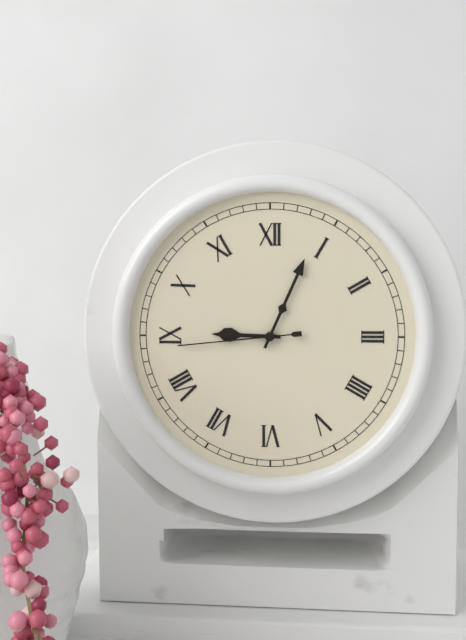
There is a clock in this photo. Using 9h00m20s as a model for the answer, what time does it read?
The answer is 9h04m44s
